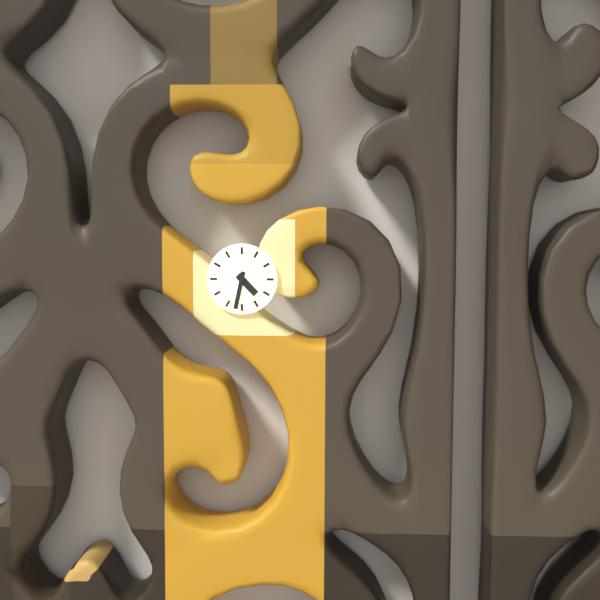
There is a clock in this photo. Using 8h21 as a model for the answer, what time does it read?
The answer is 4h32
